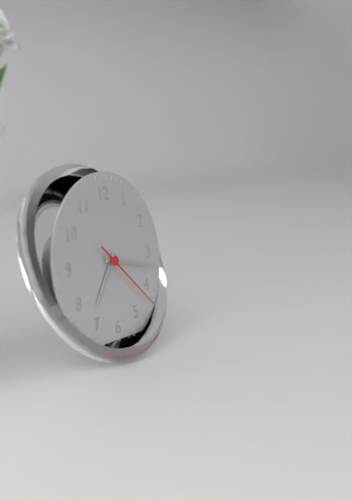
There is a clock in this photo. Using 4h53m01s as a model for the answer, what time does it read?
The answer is 7h17m22s
